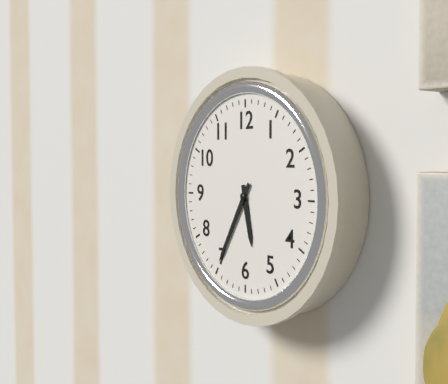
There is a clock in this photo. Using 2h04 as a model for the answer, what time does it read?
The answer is 5h35
